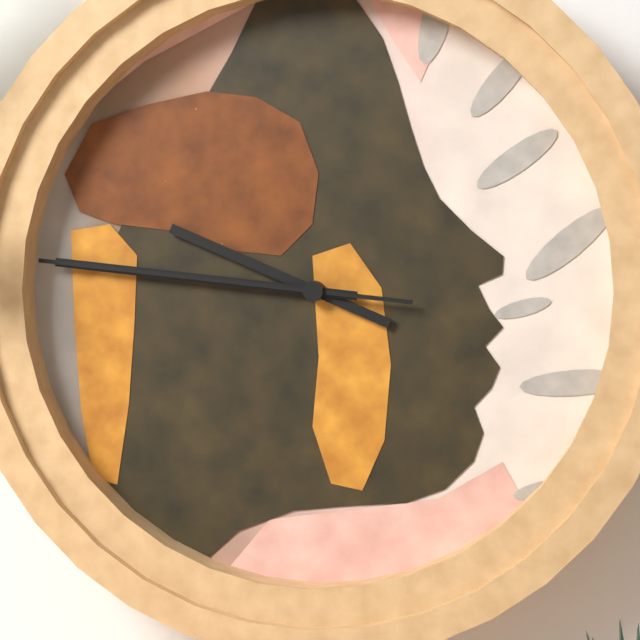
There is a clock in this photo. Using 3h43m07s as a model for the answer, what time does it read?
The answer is 9h46m46s
